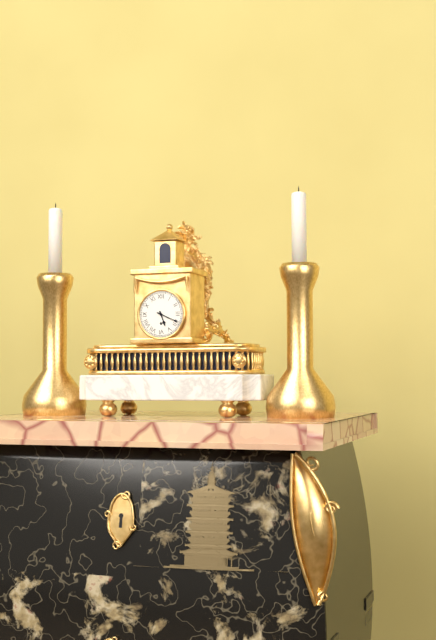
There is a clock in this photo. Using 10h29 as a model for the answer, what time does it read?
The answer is 5h19
